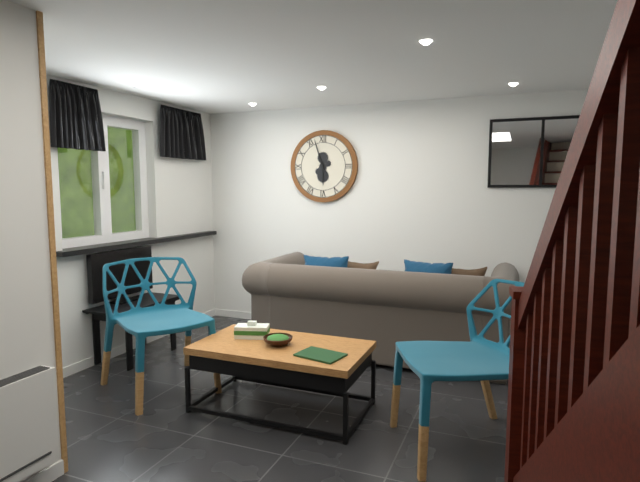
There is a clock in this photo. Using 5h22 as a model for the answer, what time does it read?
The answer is 5h57
